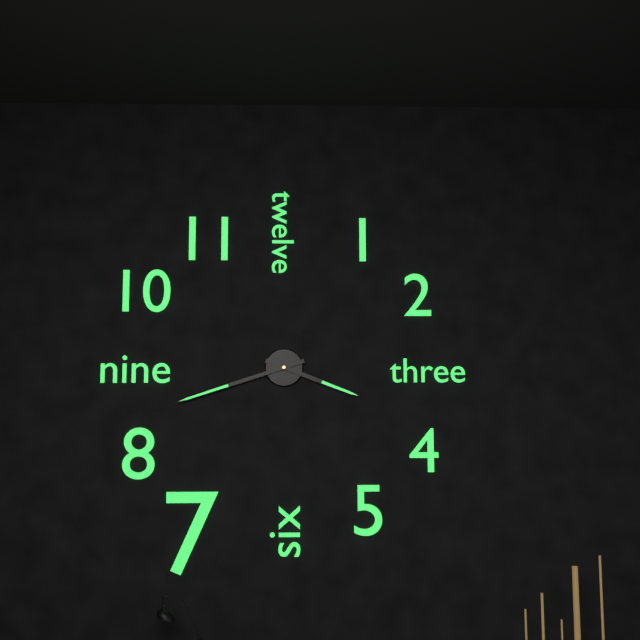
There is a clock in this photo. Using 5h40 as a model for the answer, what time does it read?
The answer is 3h42
